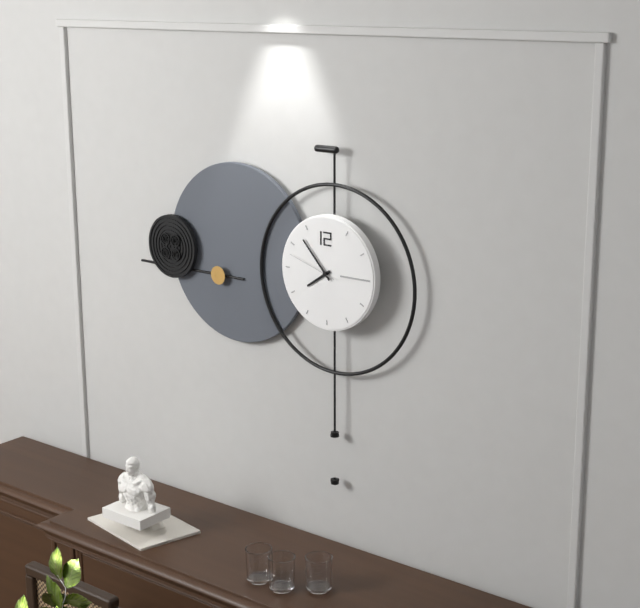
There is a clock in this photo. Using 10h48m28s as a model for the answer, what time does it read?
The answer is 7h53m48s
